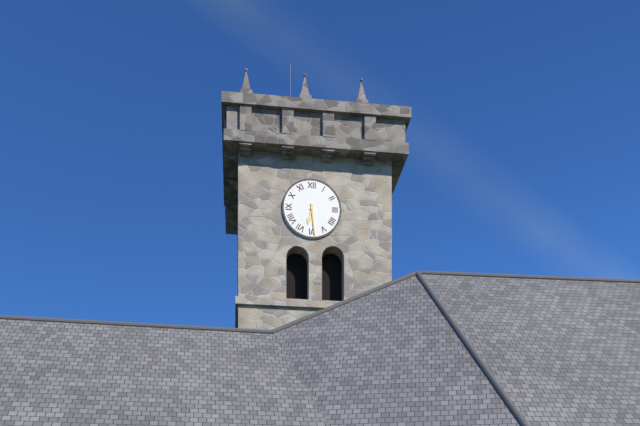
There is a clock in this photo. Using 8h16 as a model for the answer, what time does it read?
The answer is 6h29
